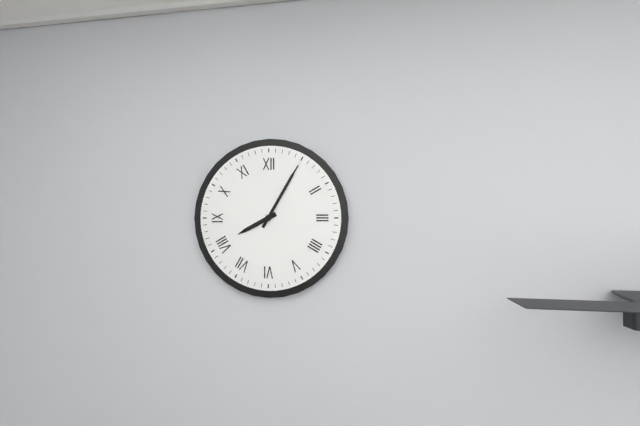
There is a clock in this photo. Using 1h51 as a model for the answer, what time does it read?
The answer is 8h05
